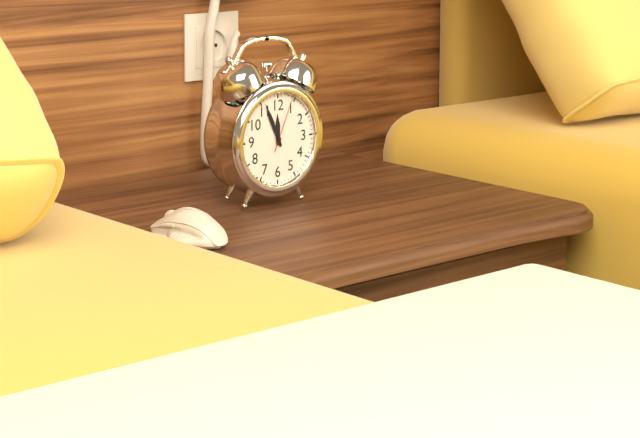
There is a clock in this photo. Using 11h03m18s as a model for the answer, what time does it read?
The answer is 11h56m04s
